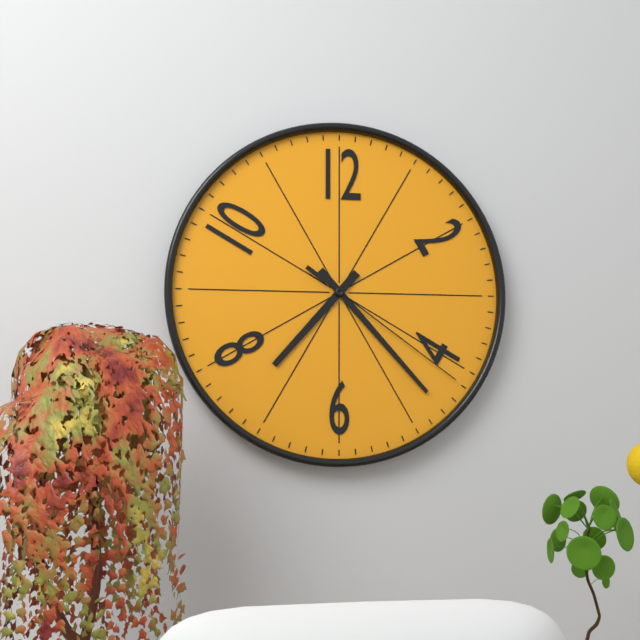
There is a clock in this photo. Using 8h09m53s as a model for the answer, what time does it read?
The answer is 7h23m21s
